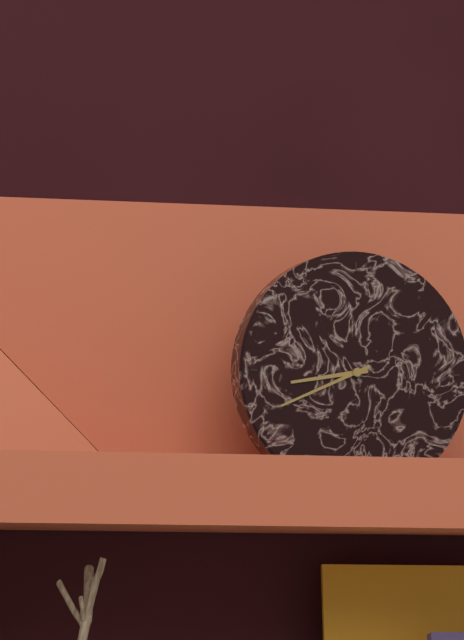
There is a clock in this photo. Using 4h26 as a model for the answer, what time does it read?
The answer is 8h41
